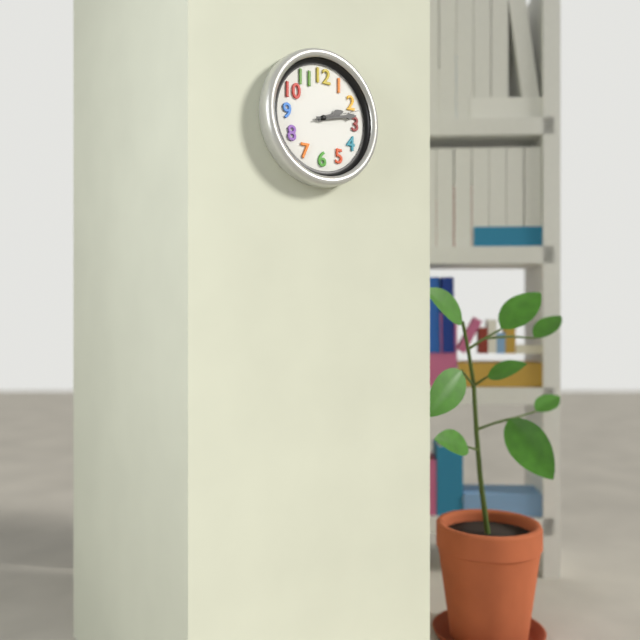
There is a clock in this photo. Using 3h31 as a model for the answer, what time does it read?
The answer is 2h13
